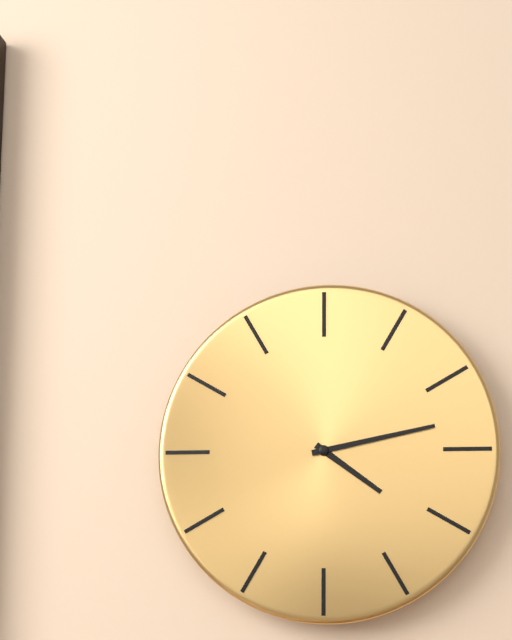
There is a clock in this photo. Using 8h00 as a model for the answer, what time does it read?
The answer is 4h13
